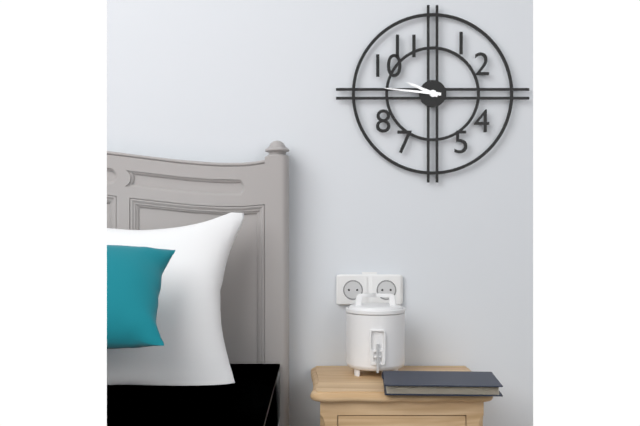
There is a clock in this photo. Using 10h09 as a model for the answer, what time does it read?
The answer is 9h46
